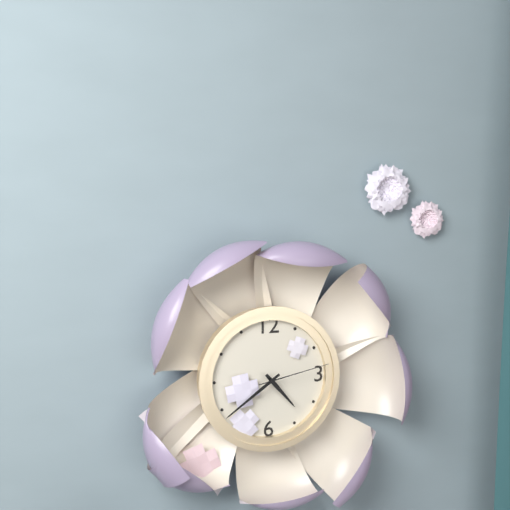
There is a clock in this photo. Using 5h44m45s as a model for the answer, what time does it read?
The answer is 4h39m13s
